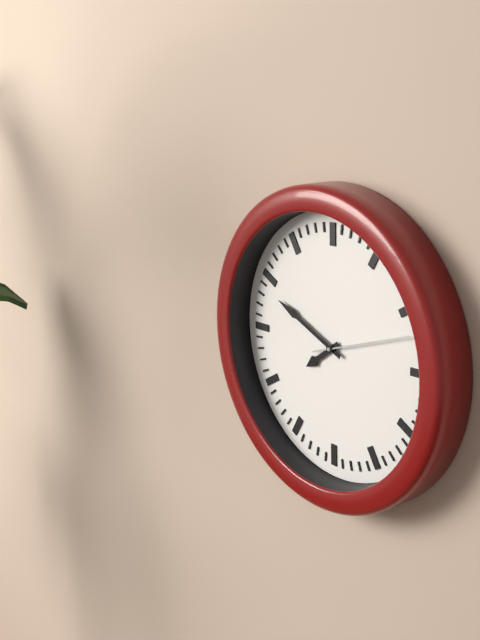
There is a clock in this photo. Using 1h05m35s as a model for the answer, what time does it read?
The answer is 7h49m12s
